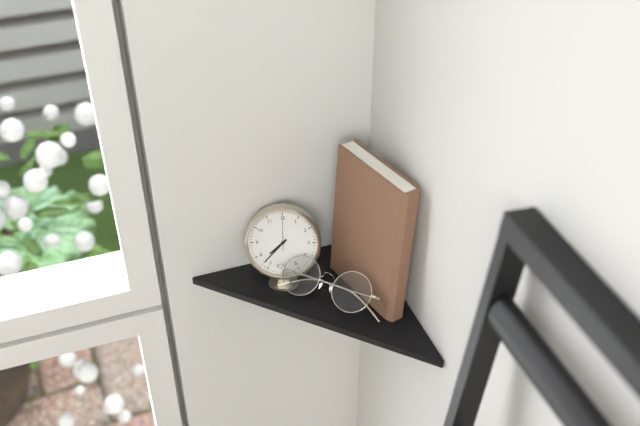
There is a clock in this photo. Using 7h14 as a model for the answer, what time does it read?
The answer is 7h37
